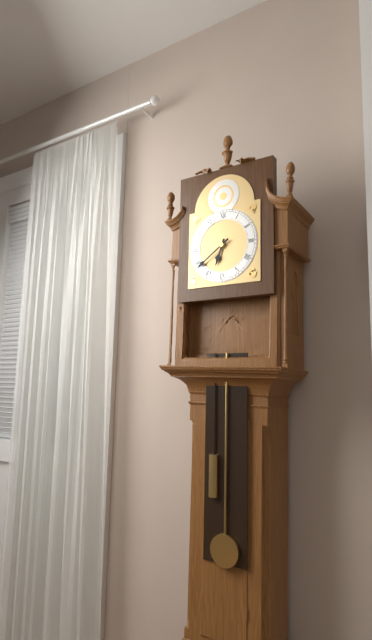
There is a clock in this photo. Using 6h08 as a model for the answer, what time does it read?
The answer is 6h39
